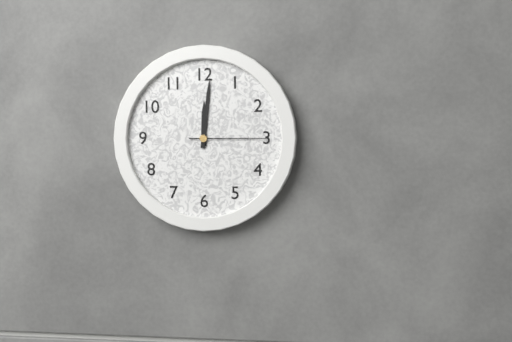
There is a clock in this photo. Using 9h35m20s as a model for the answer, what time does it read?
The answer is 12h01m15s
